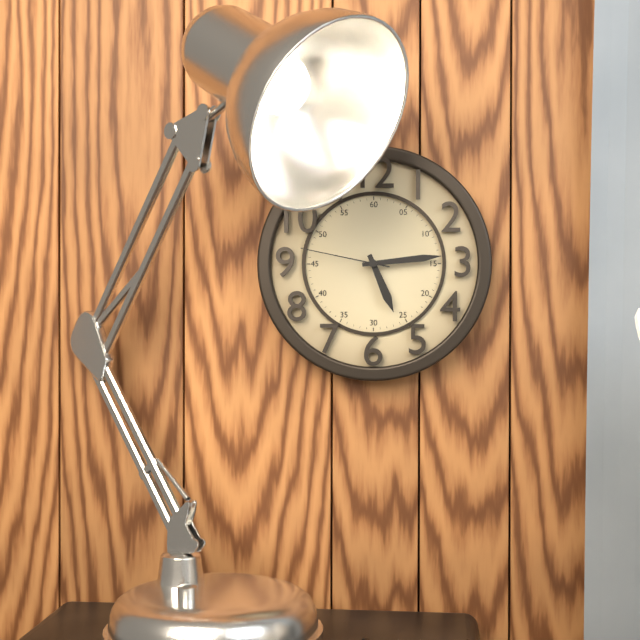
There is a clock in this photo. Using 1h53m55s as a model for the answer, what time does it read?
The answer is 5h14m47s
